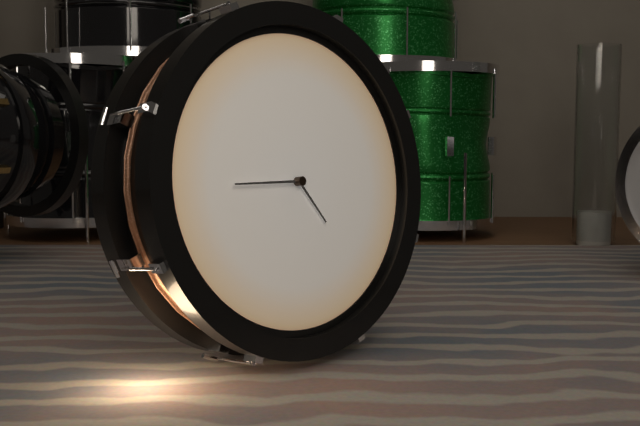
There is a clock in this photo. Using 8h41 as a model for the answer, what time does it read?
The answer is 4h45
